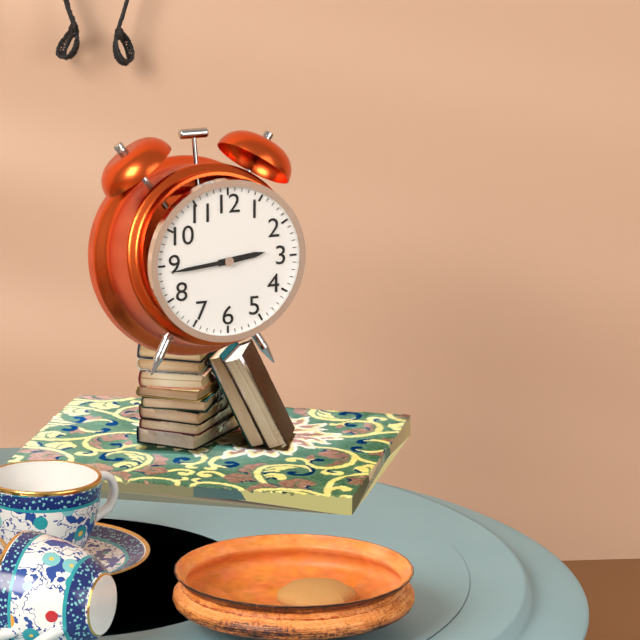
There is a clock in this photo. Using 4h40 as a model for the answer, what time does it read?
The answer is 2h44
